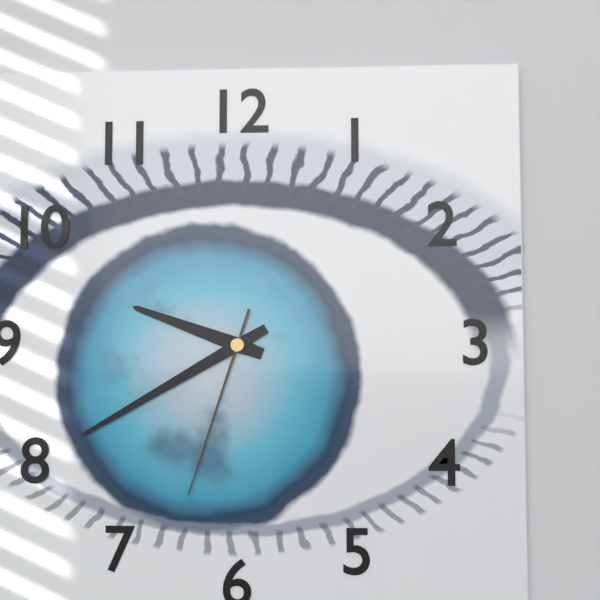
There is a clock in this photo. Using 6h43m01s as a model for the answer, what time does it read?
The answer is 9h40m33s
